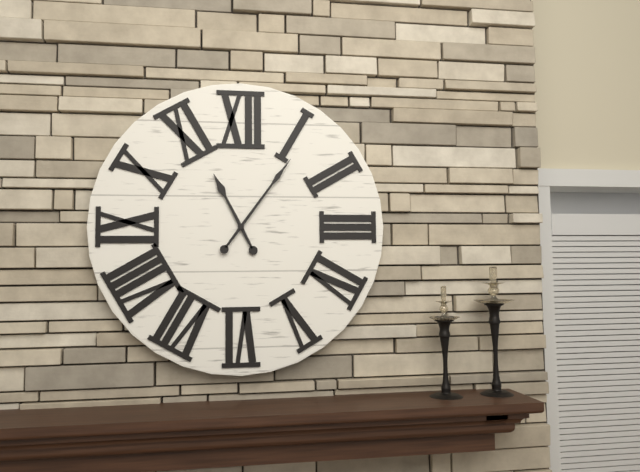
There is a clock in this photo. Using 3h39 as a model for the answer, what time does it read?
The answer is 11h06
